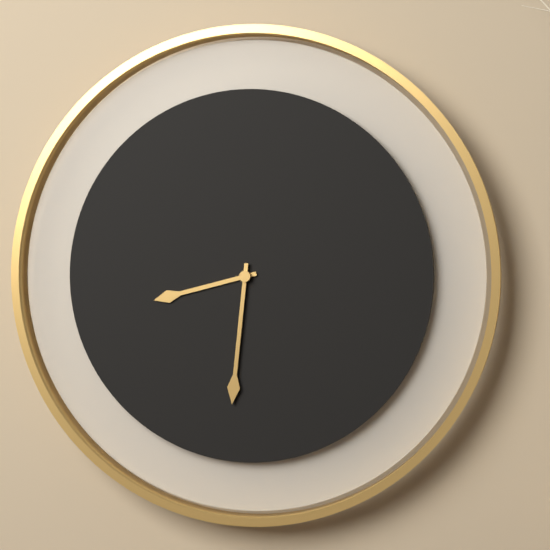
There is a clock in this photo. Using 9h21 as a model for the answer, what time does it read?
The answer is 8h31
